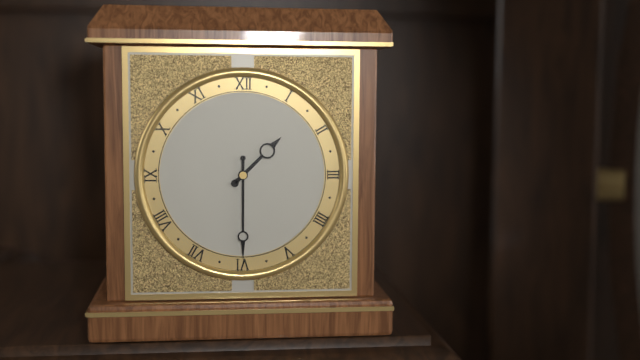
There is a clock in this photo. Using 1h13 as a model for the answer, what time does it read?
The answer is 1h30
